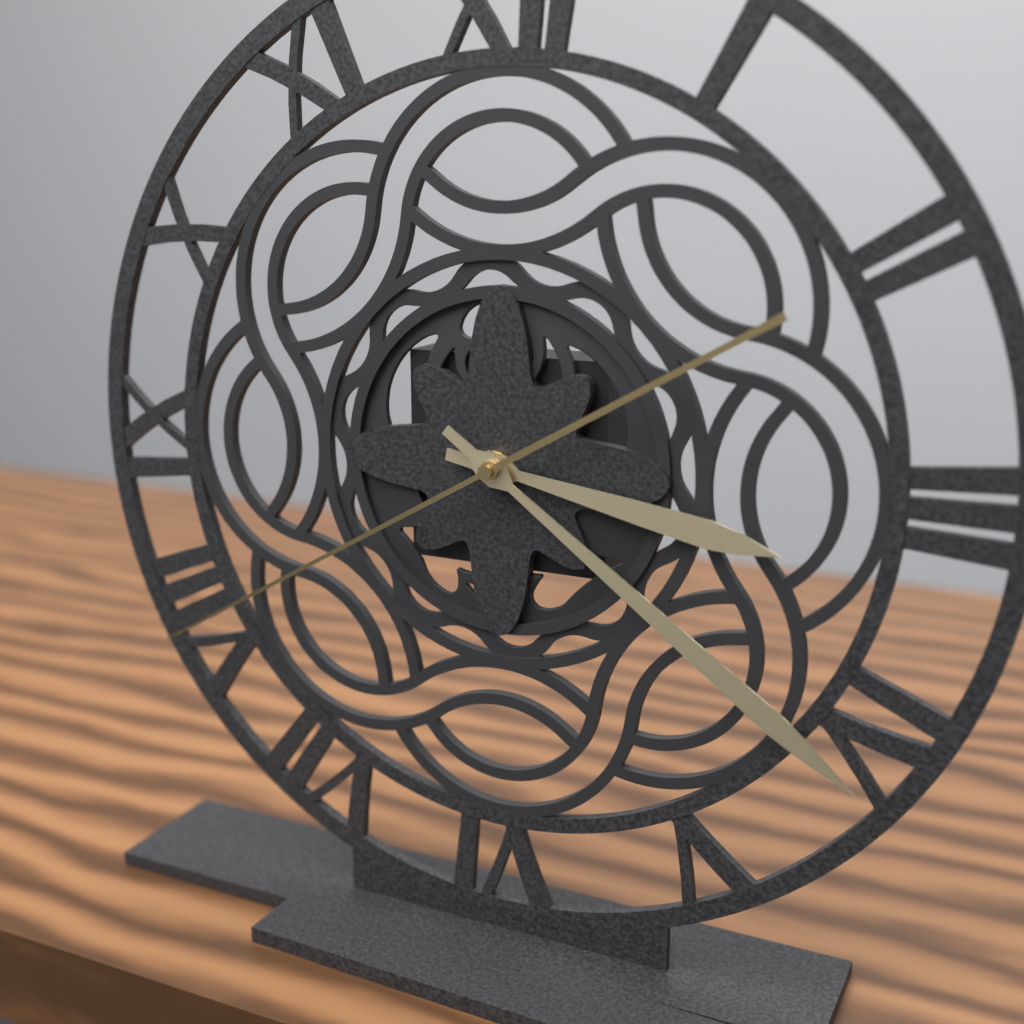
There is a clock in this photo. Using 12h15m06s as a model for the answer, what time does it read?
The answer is 3h21m40s
